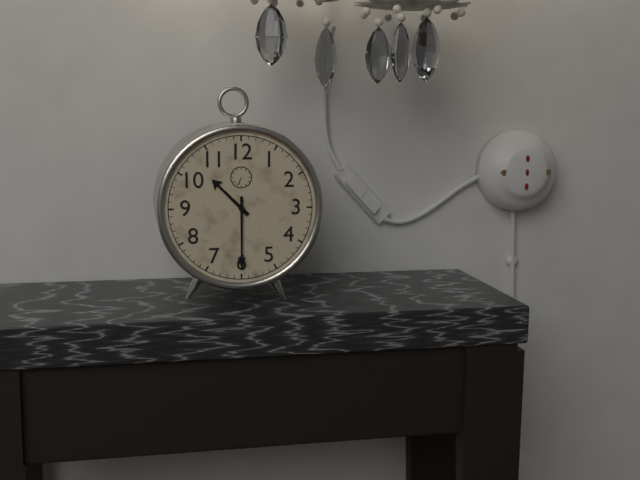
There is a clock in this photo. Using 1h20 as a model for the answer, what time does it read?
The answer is 10h30
